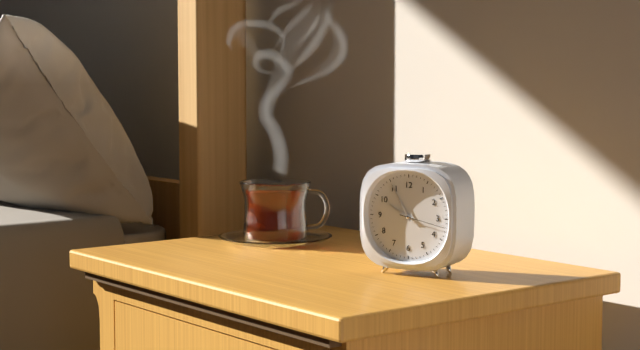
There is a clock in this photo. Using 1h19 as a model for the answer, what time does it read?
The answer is 9h55
